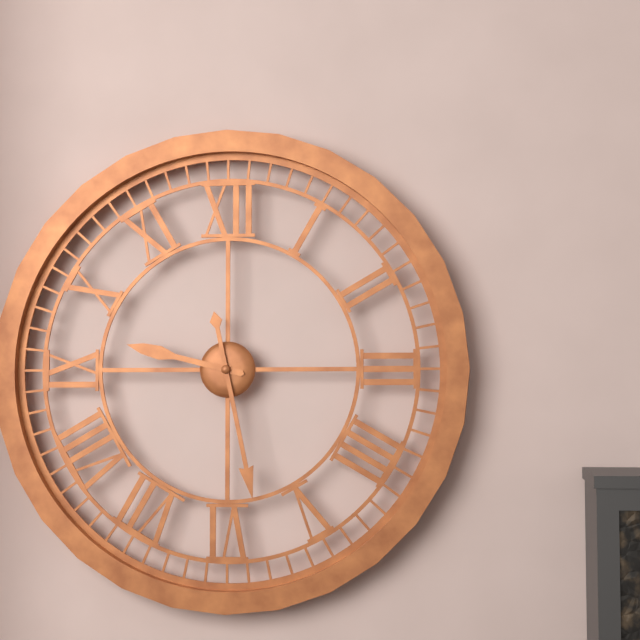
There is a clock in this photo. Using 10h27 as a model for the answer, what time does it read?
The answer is 9h28
